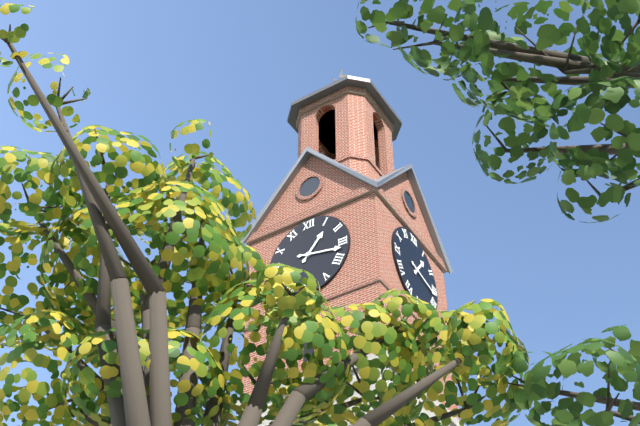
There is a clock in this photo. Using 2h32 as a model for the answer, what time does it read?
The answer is 1h17
